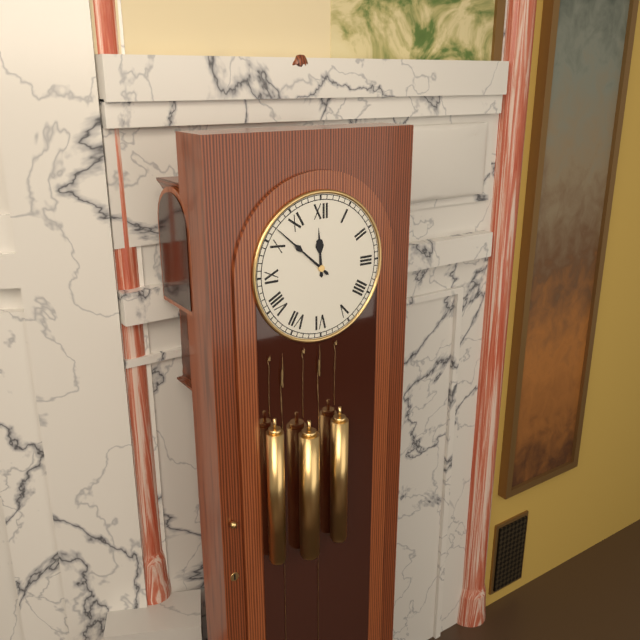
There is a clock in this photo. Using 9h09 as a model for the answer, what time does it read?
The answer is 11h52
